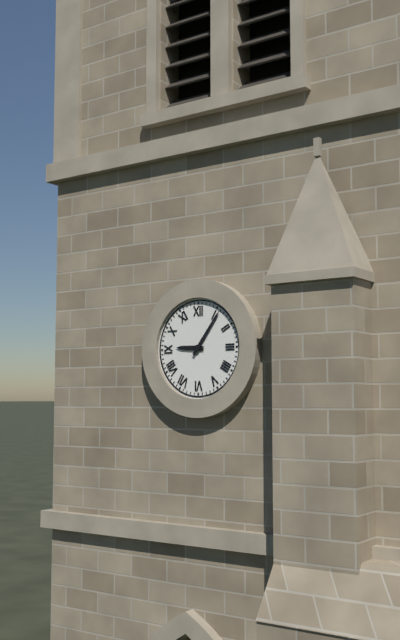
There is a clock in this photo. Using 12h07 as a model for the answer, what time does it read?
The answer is 9h06
